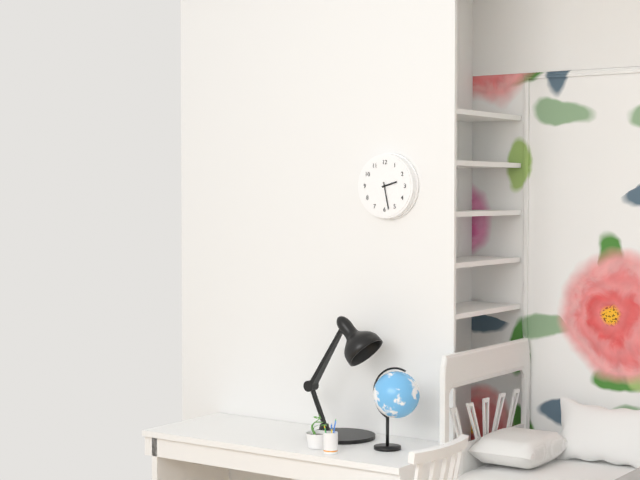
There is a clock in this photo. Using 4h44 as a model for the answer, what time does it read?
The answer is 2h28
